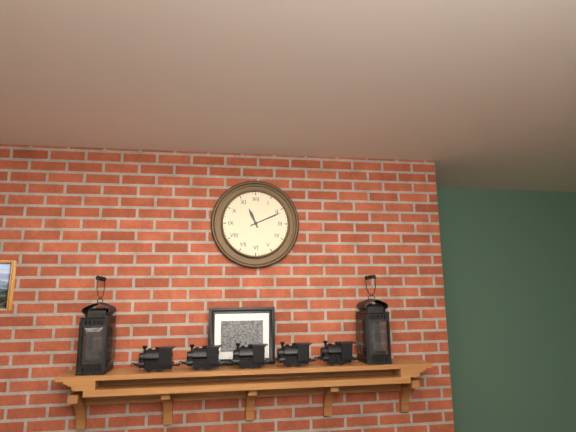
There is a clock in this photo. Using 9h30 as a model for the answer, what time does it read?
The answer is 11h11
